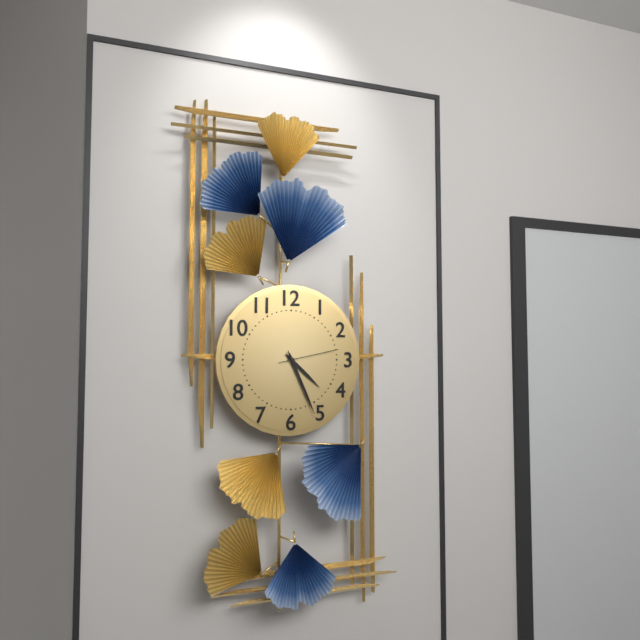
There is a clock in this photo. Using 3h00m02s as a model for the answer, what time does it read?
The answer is 4h26m13s
